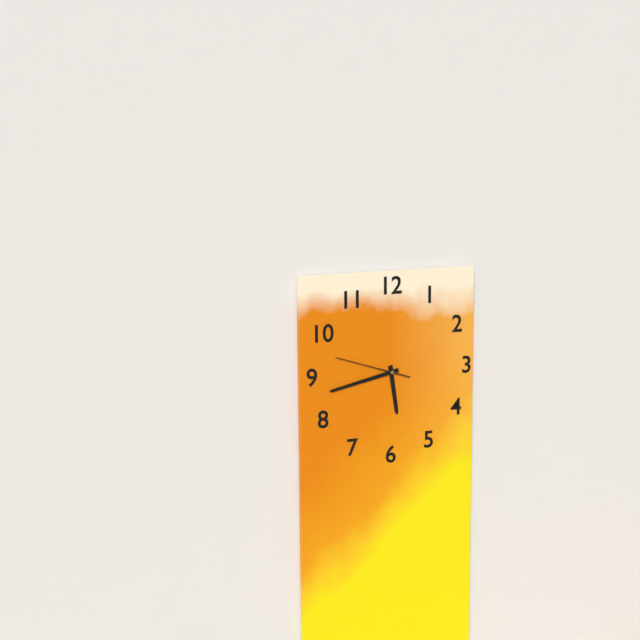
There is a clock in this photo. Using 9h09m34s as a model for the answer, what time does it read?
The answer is 5h43m48s
